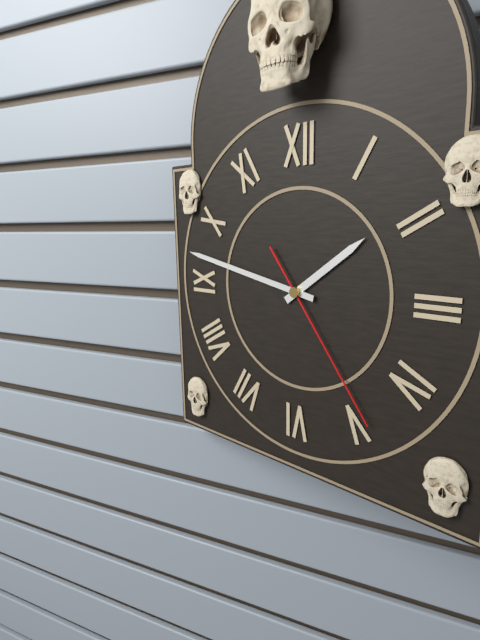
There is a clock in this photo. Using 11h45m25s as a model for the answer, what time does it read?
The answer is 1h47m24s
